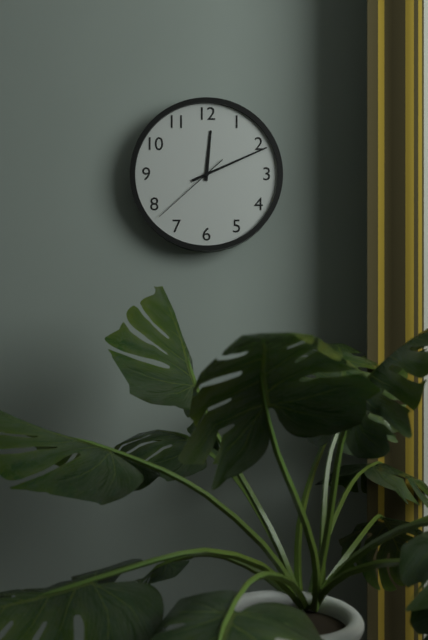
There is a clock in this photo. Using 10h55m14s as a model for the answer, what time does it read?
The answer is 12h11m38s
